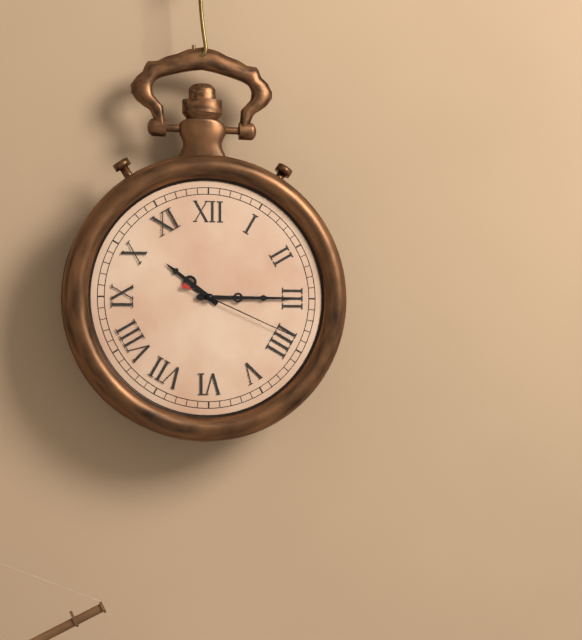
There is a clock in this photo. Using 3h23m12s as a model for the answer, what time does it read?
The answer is 10h15m19s
